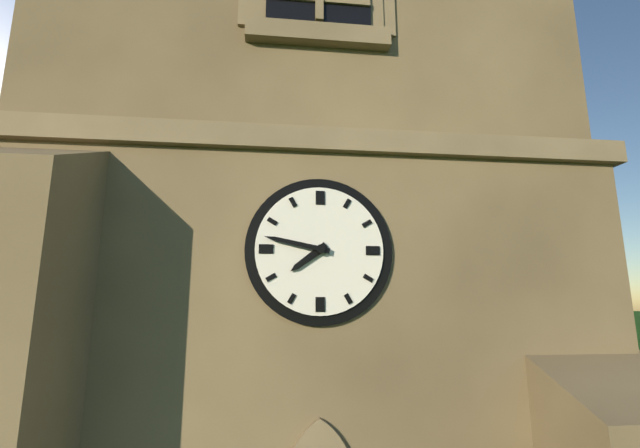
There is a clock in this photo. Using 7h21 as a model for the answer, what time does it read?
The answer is 7h47
